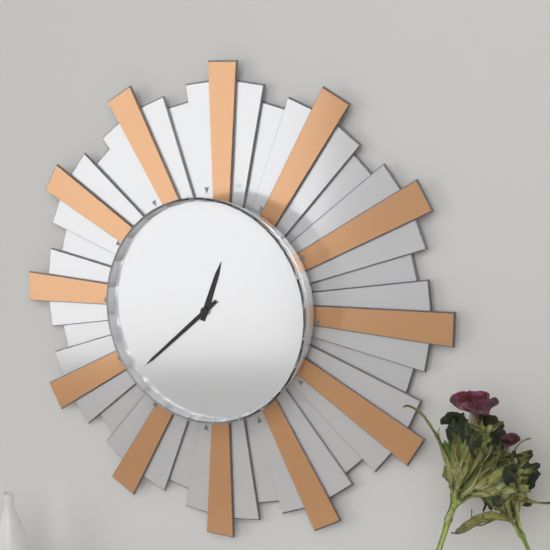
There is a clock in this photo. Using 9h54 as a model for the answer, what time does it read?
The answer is 12h38
